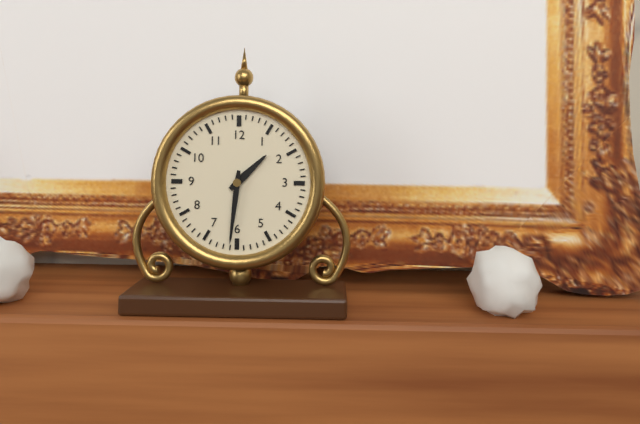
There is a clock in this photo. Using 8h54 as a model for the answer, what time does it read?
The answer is 1h31
